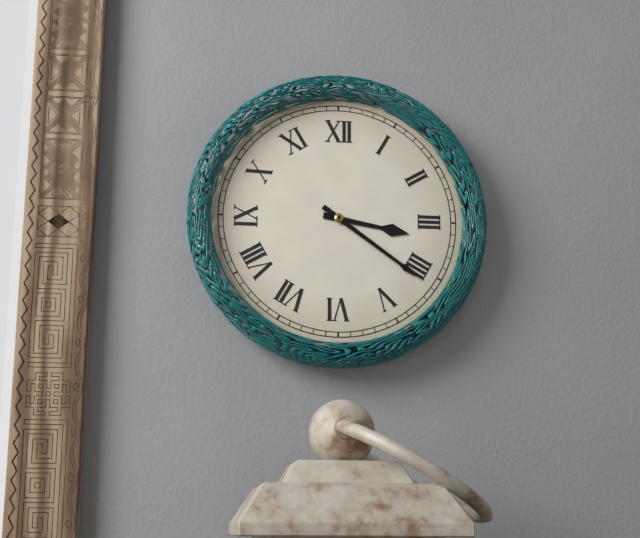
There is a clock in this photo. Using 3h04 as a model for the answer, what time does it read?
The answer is 3h21
